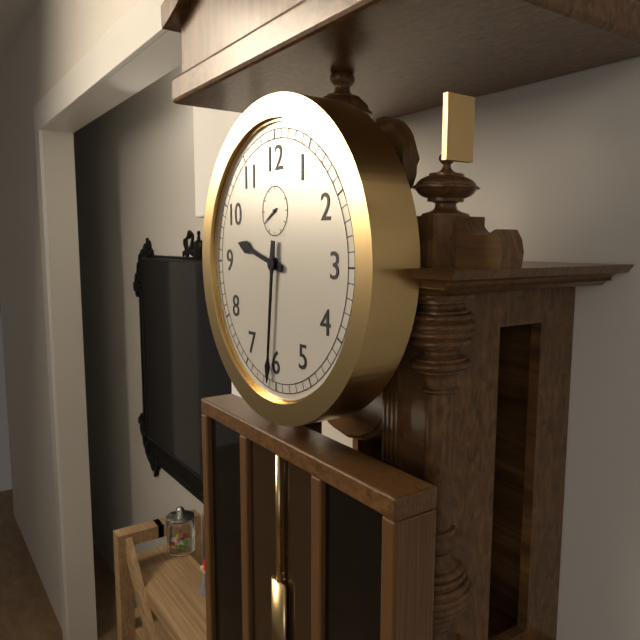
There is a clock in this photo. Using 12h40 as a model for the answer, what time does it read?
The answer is 9h31
